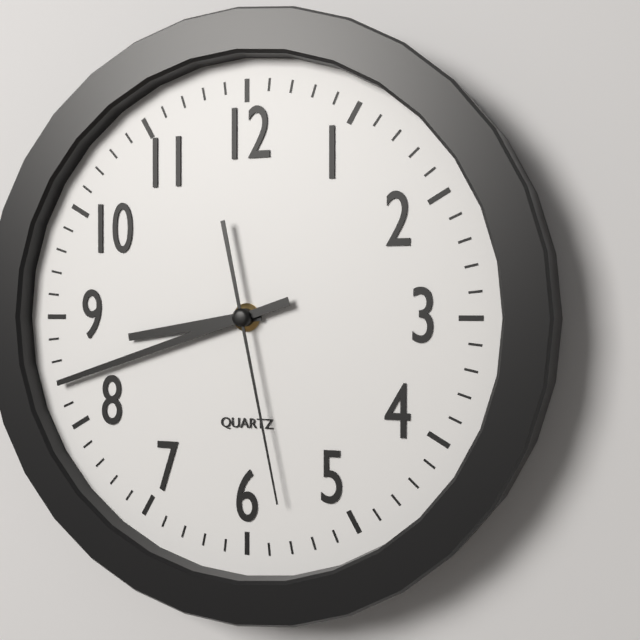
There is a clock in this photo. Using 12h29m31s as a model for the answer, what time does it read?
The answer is 8h42m28s
